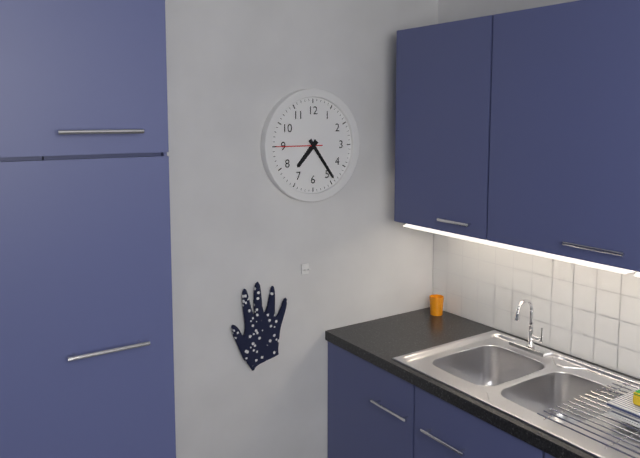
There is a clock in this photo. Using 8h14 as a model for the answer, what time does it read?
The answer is 7h24
